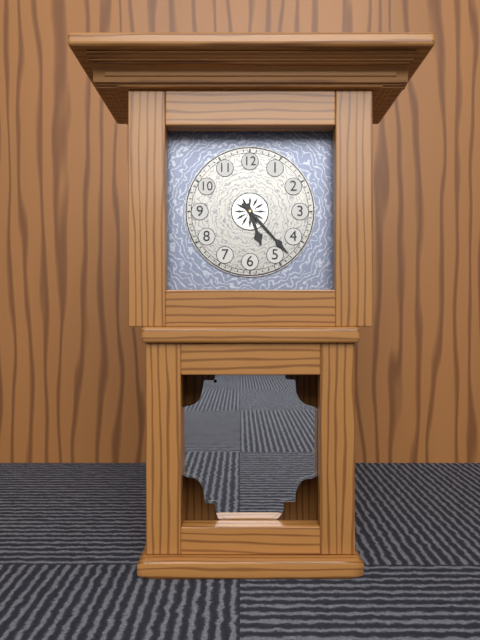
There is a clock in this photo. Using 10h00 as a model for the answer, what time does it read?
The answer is 5h23
